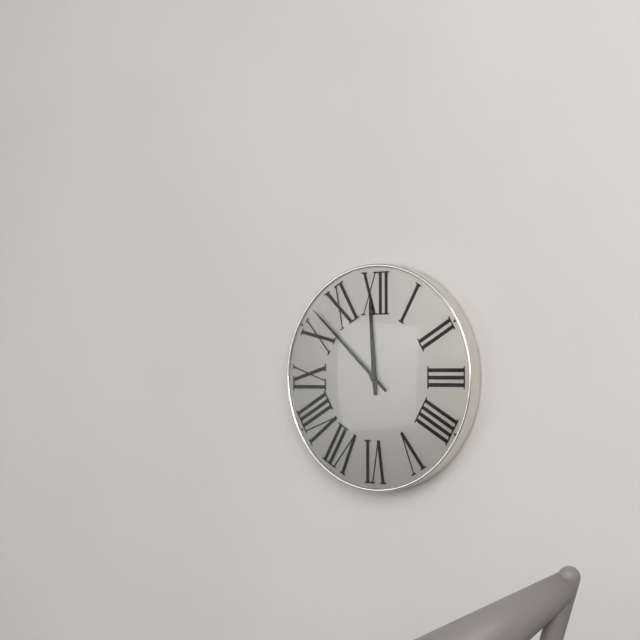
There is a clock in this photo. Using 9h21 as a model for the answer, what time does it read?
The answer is 11h52
